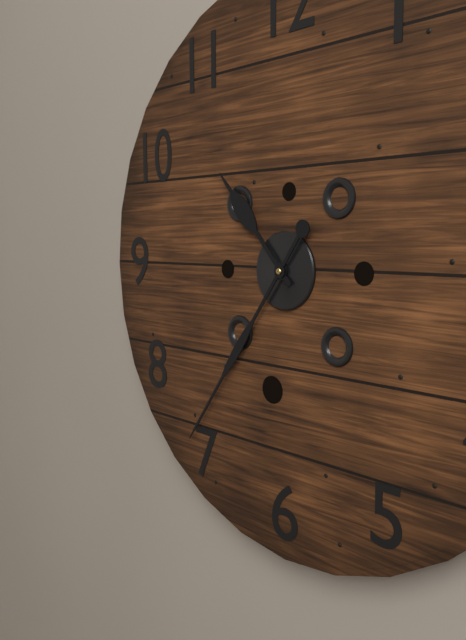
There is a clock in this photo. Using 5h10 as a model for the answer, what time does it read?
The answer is 10h36
